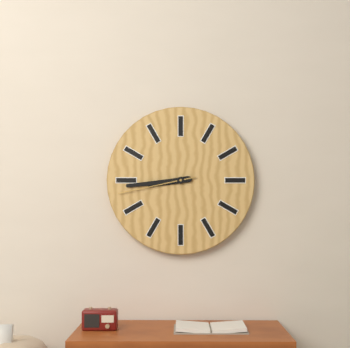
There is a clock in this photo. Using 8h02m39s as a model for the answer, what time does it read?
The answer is 8h44m43s
